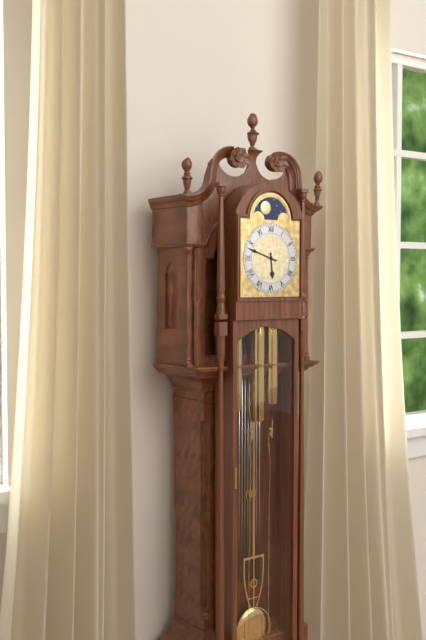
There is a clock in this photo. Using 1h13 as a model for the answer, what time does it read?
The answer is 5h48
